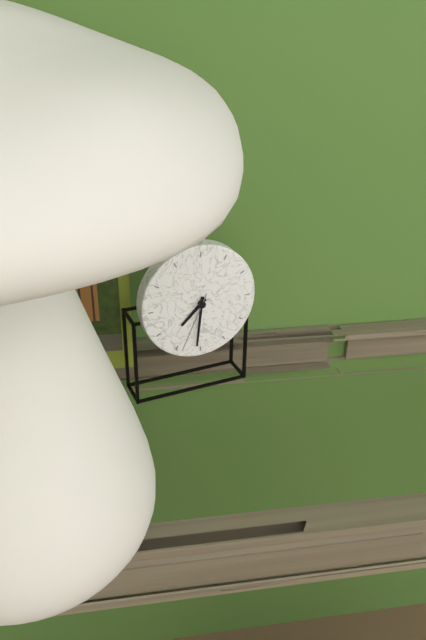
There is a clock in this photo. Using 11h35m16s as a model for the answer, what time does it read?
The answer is 7h31m34s
